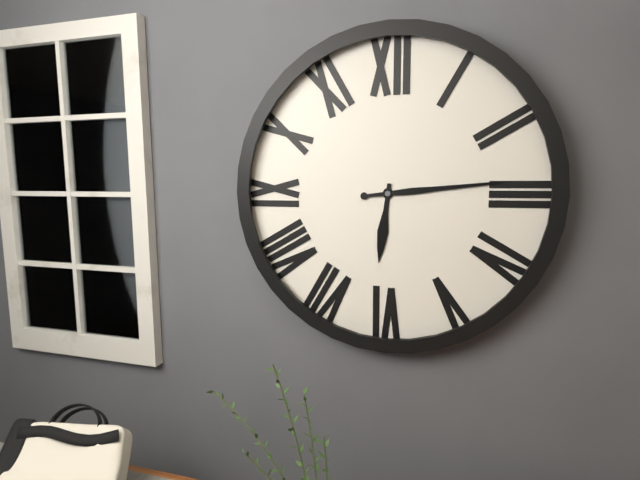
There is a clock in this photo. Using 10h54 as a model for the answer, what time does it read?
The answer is 6h14
